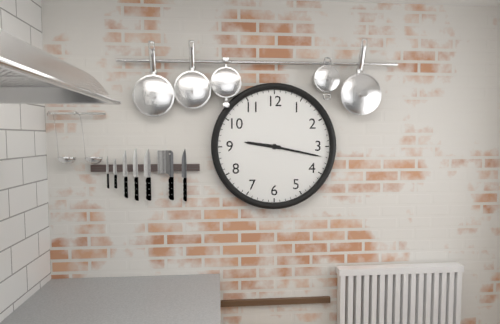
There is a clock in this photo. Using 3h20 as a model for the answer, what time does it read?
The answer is 9h17
